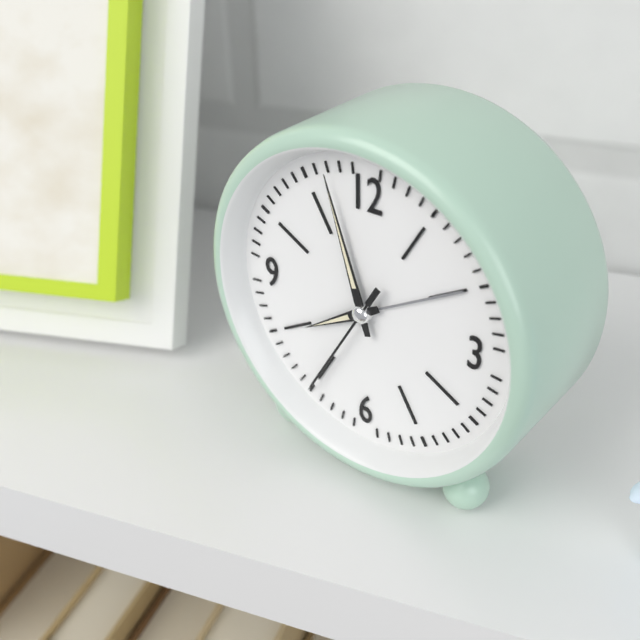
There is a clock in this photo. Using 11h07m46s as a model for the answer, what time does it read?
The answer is 7h57m35s
